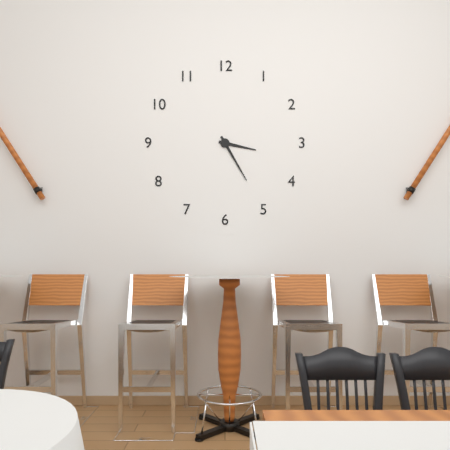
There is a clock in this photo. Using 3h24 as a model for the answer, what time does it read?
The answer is 3h25
